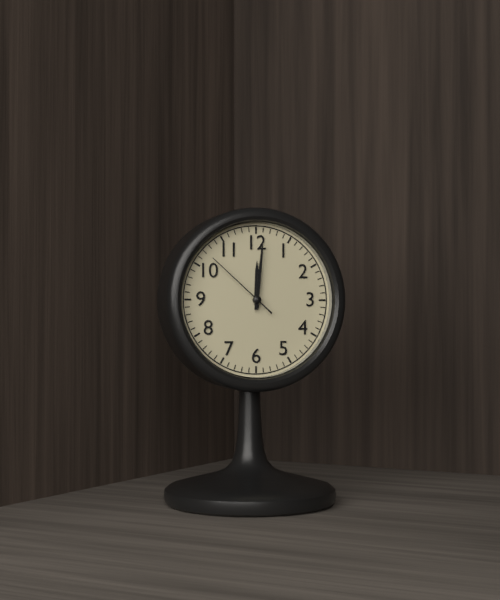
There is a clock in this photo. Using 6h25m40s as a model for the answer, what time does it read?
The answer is 12h01m52s
